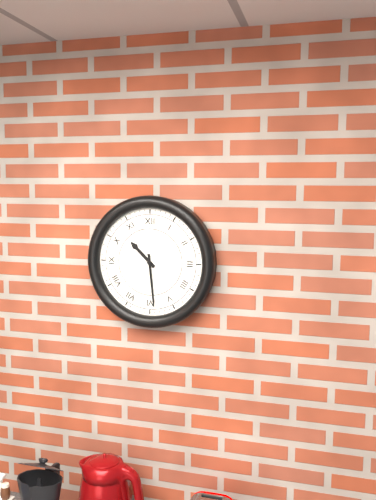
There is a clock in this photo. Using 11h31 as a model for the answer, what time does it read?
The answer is 10h29
